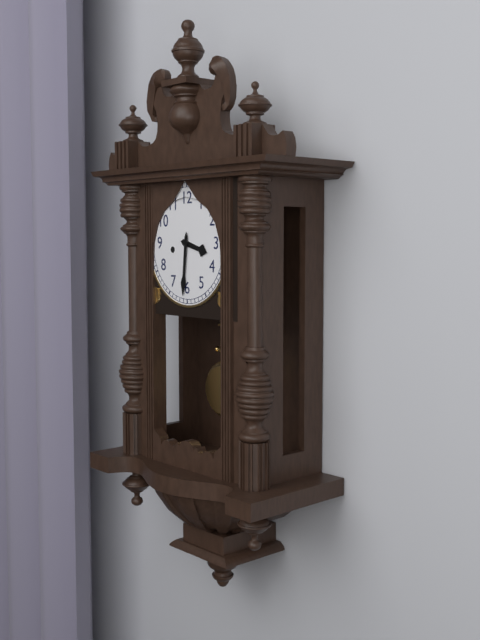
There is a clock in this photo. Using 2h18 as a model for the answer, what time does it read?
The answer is 3h31
